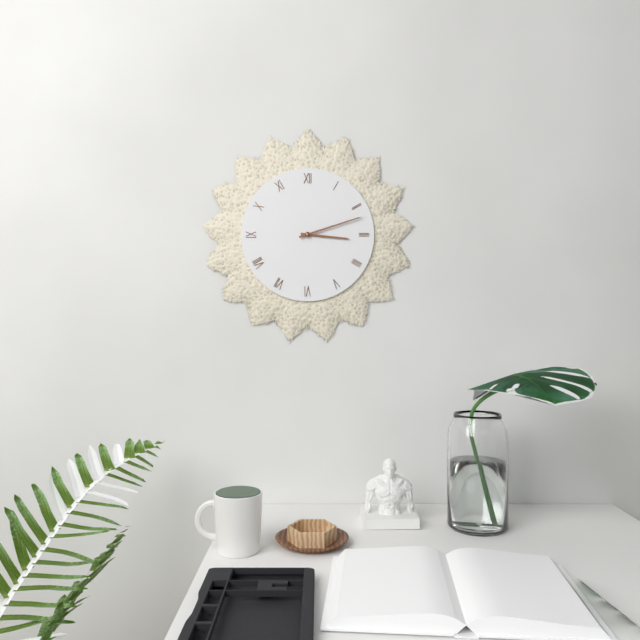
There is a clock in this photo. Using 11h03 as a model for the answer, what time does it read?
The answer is 3h12
